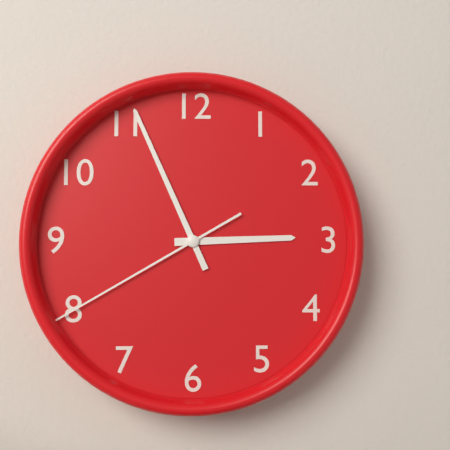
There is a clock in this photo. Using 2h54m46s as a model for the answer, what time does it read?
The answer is 2h56m40s
